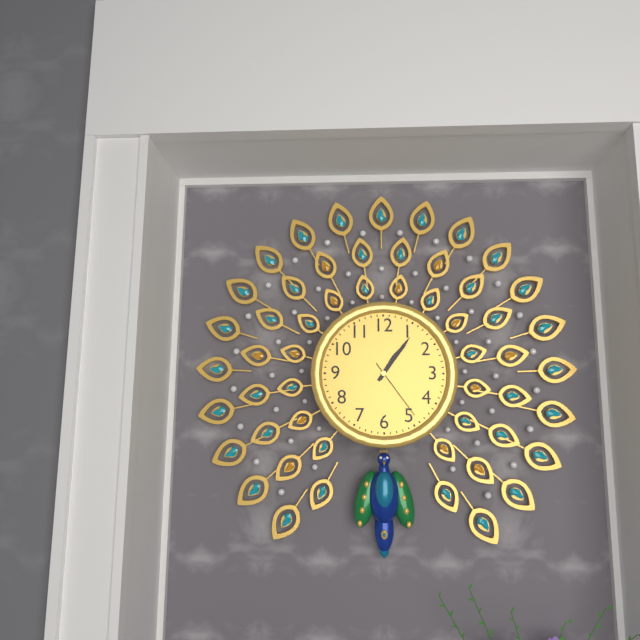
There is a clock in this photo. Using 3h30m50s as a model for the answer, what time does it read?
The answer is 1h06m24s
